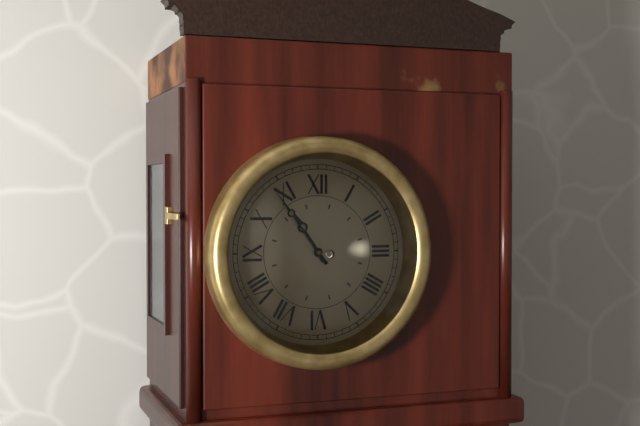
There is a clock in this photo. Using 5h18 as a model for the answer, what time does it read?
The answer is 10h54
